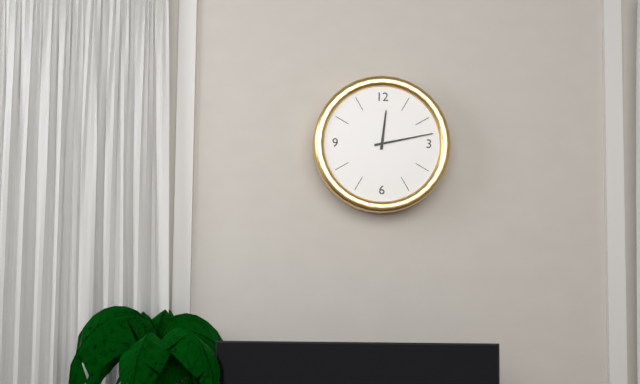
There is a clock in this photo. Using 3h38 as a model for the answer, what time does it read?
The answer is 12h13
